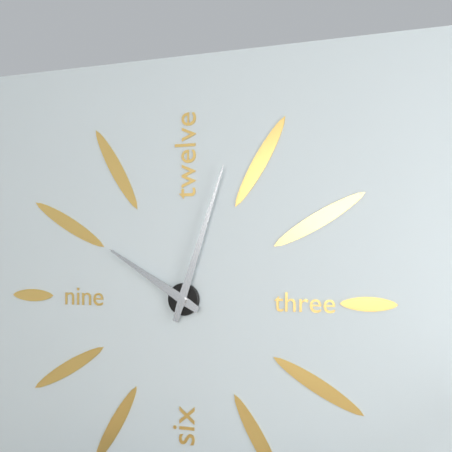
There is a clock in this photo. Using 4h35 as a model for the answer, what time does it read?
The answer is 10h03
